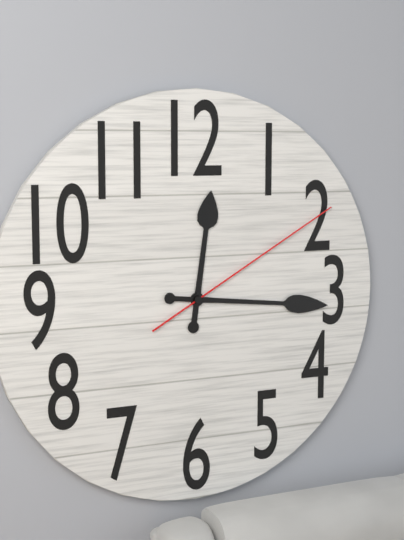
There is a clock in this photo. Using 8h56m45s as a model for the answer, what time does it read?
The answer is 12h16m10s
